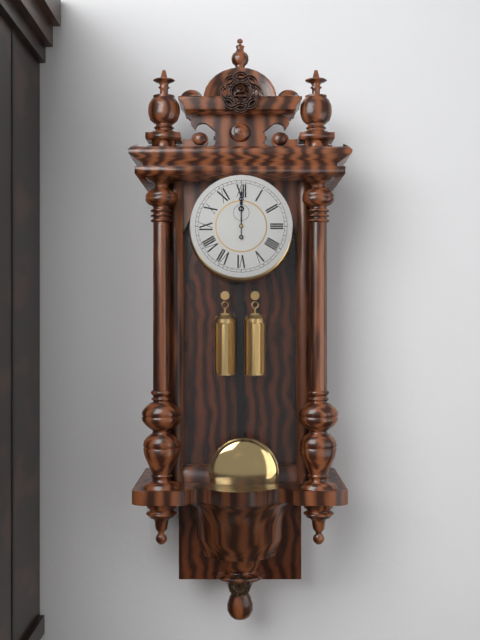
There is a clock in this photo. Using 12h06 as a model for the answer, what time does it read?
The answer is 12h00
